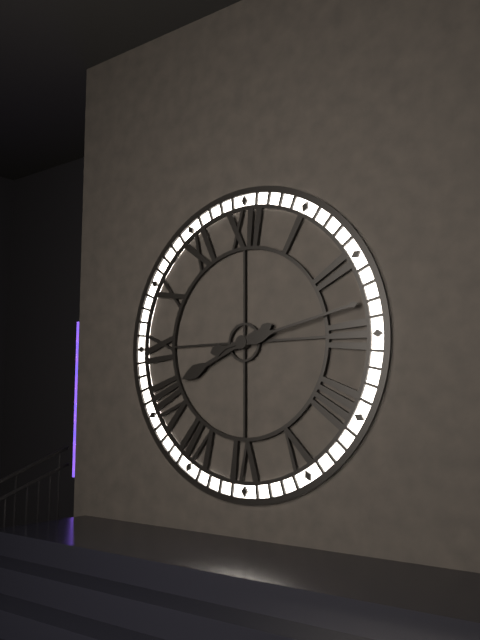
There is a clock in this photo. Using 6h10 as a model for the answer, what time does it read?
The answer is 8h13
